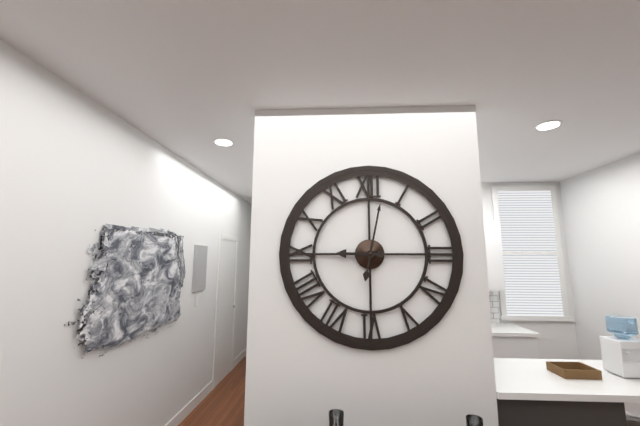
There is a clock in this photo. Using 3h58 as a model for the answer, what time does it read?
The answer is 9h02
